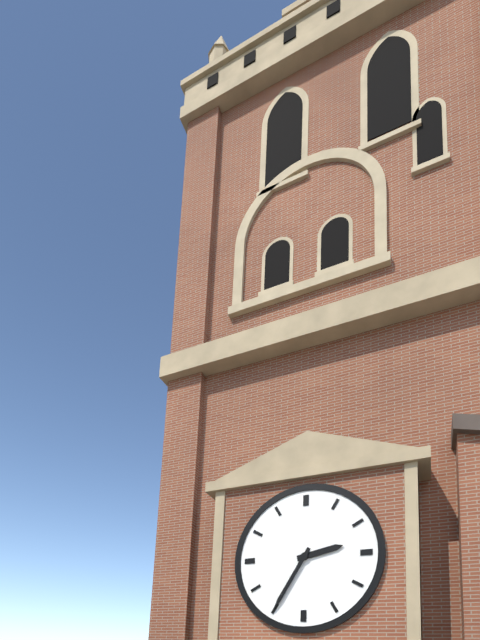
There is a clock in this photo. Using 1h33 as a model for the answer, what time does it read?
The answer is 2h35
